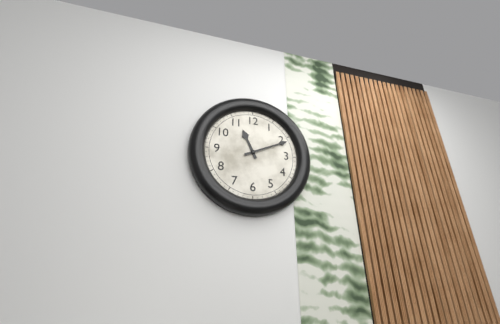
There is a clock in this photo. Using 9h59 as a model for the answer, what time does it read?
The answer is 11h11
